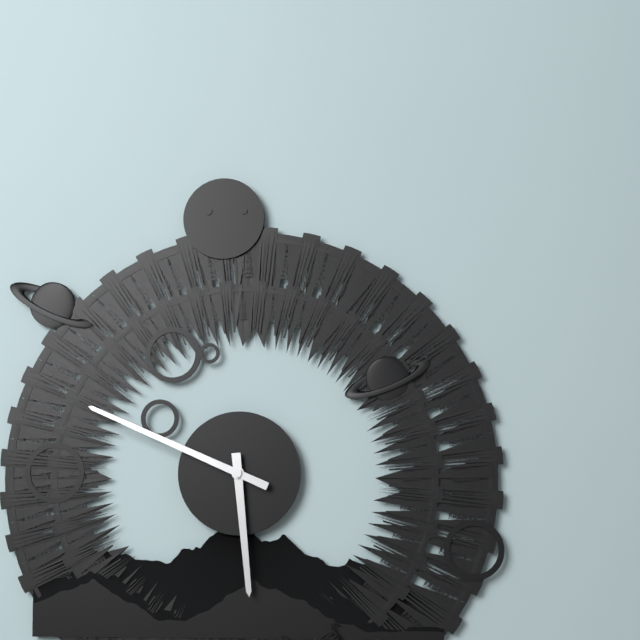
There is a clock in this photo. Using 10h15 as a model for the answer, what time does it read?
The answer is 5h49
